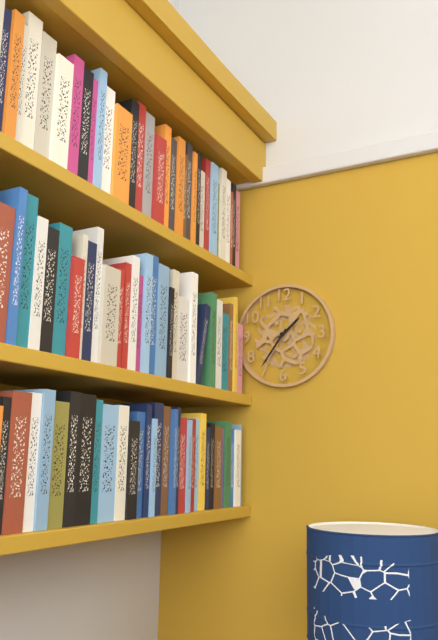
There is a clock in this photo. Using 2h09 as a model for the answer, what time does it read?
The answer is 1h36
